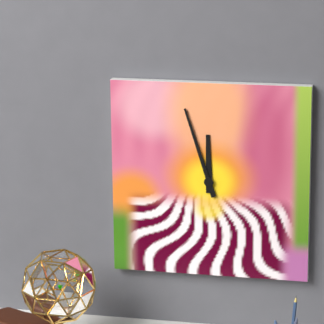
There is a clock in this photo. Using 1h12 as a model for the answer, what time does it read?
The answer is 11h57
